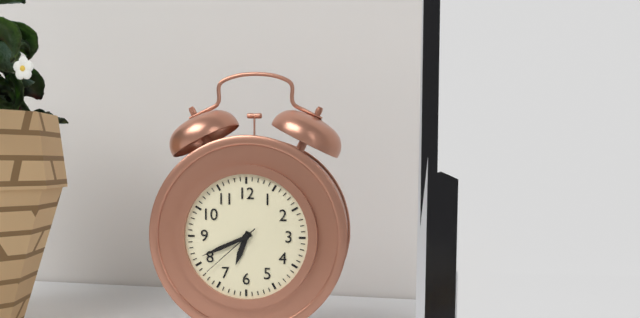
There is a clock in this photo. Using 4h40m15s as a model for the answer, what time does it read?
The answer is 6h41m38s
